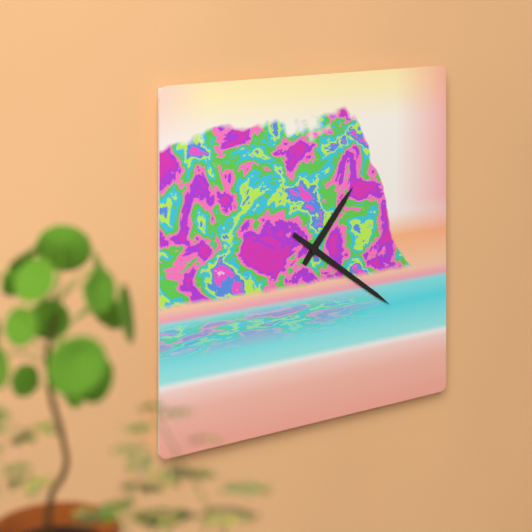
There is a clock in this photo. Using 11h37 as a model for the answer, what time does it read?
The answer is 1h21
